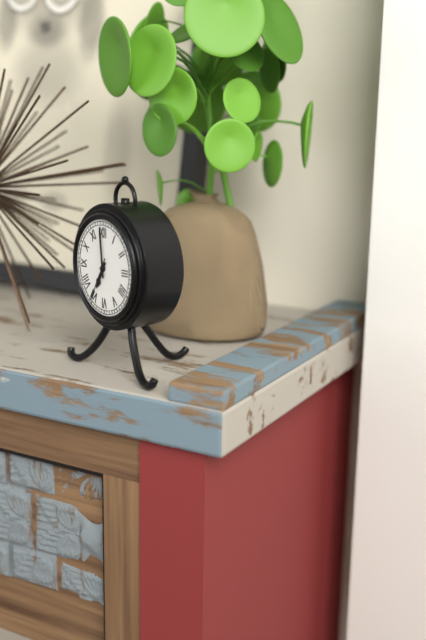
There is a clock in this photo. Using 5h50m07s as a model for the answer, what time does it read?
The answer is 6h59m35s
